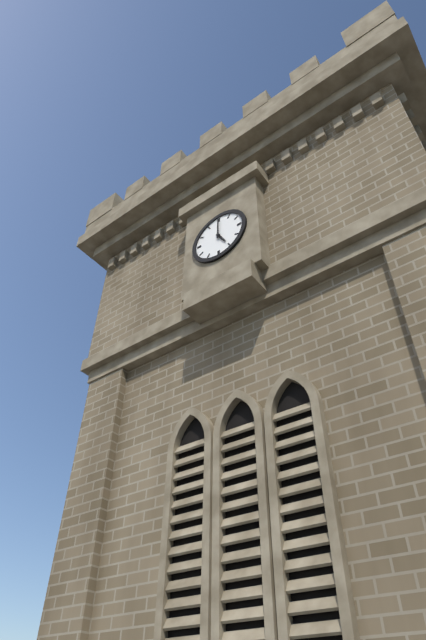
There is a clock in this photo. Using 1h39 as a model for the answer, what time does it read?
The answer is 5h00
